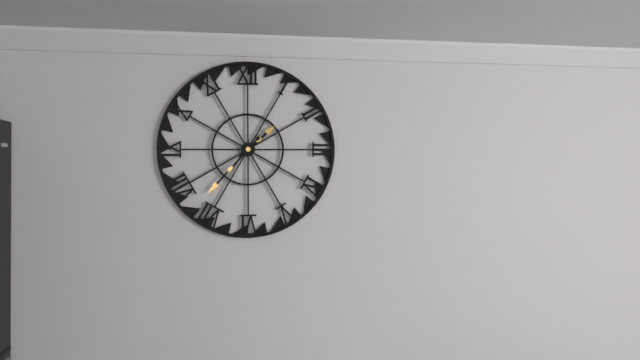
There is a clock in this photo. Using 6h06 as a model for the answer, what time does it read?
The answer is 1h37
